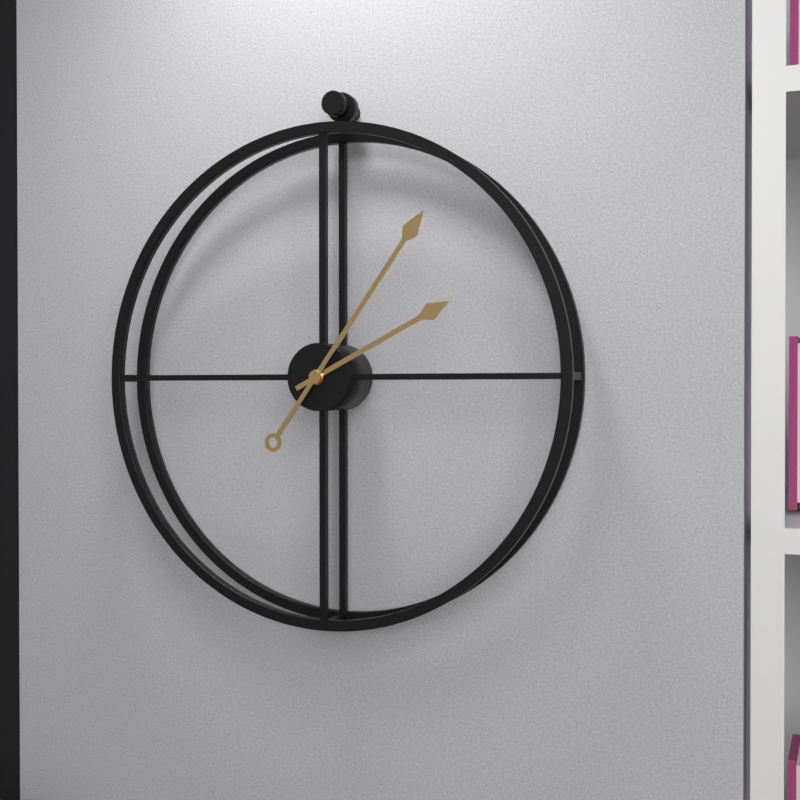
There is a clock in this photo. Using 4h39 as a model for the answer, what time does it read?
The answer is 2h06
